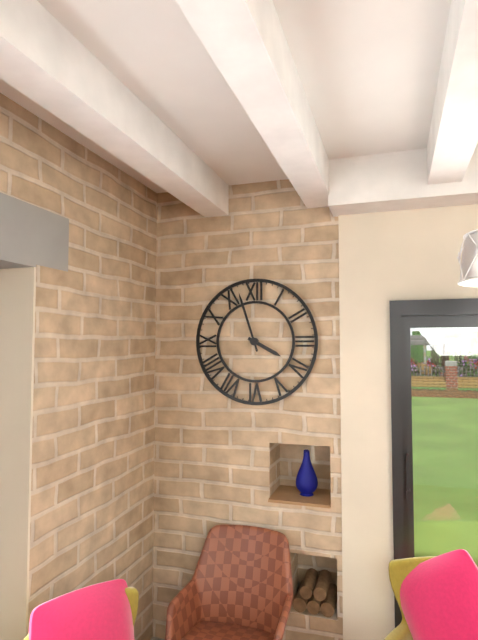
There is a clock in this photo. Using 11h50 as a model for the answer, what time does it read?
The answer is 3h57
